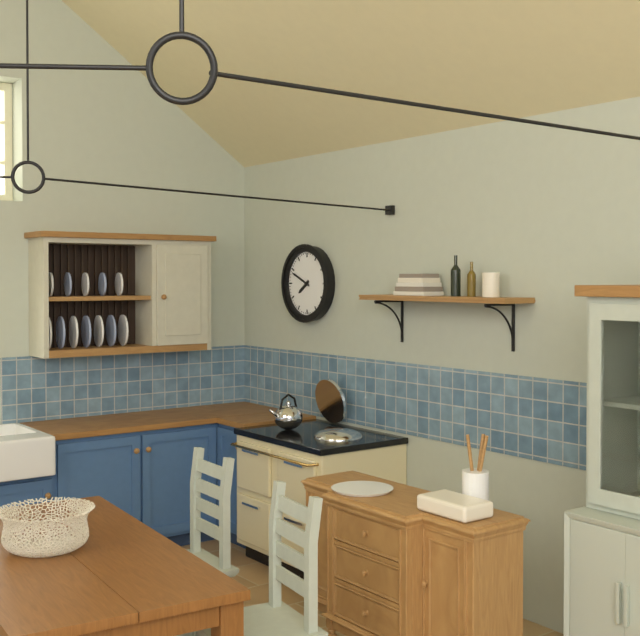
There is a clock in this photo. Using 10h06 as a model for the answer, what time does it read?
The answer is 7h49
